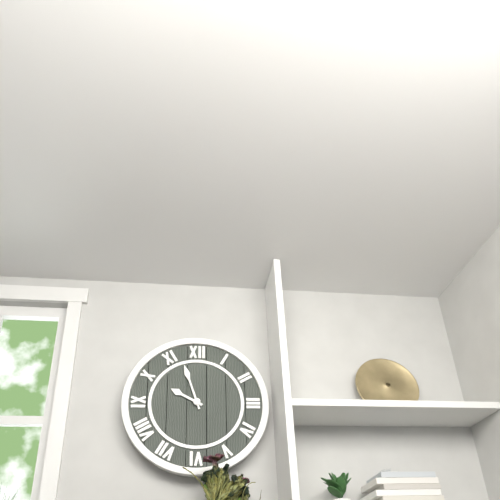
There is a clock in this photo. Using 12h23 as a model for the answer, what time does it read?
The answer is 9h57
